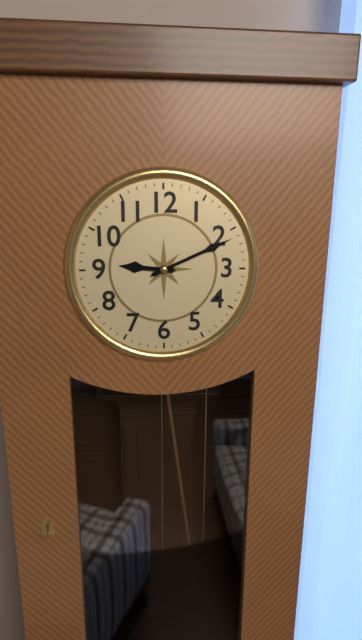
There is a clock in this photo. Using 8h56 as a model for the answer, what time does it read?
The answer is 9h11
